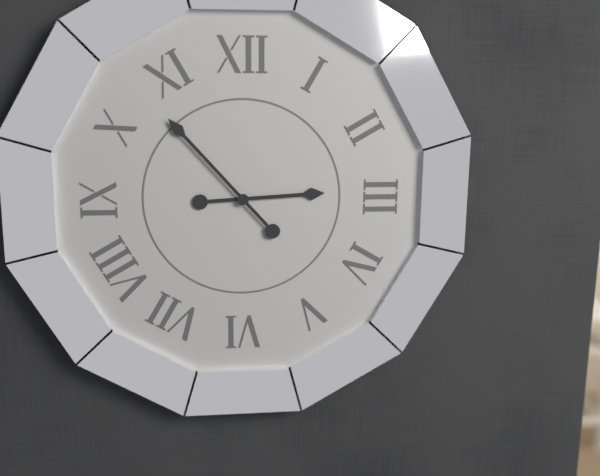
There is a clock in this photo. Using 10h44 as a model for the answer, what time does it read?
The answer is 2h53
